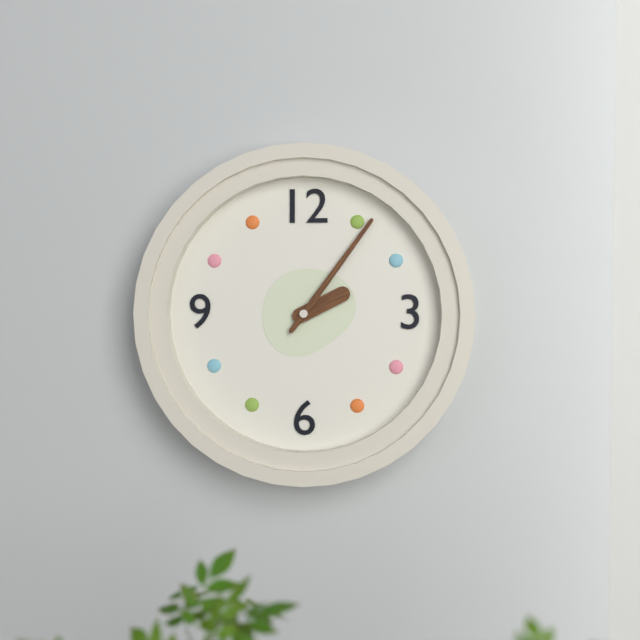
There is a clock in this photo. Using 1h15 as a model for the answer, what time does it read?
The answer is 2h06
